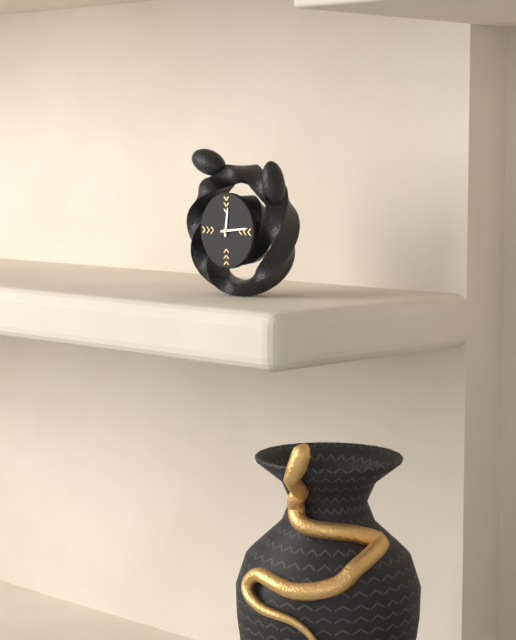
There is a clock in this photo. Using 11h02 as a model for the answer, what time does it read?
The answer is 12h14
